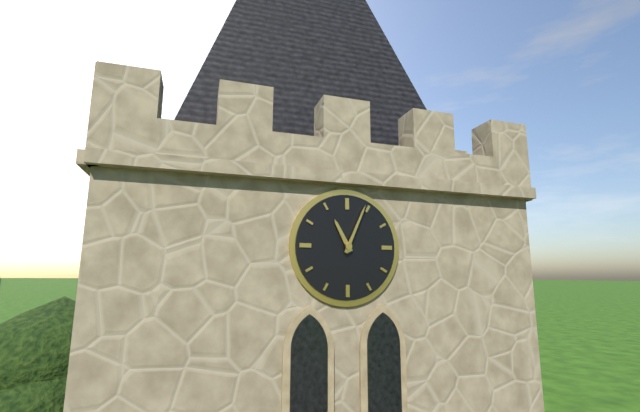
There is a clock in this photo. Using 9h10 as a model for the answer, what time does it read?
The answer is 11h04
